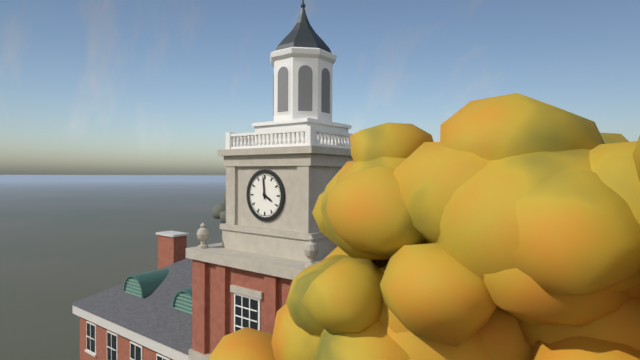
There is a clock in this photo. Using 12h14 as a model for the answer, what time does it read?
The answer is 3h59
